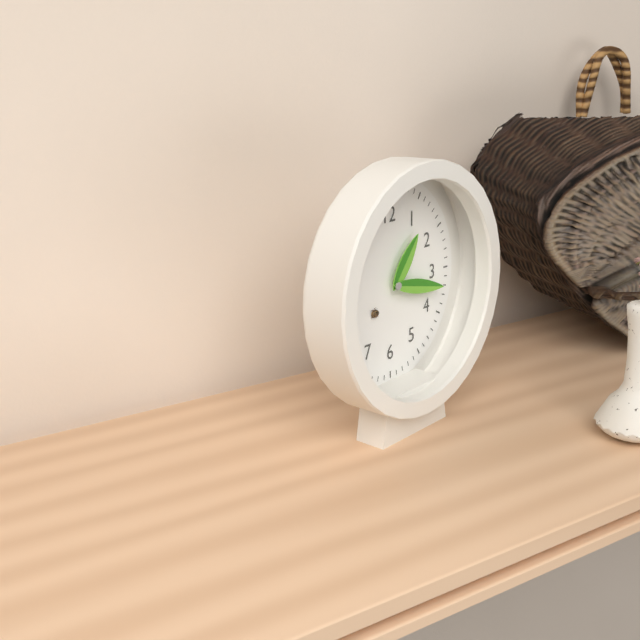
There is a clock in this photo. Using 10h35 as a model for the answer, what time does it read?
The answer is 1h17
